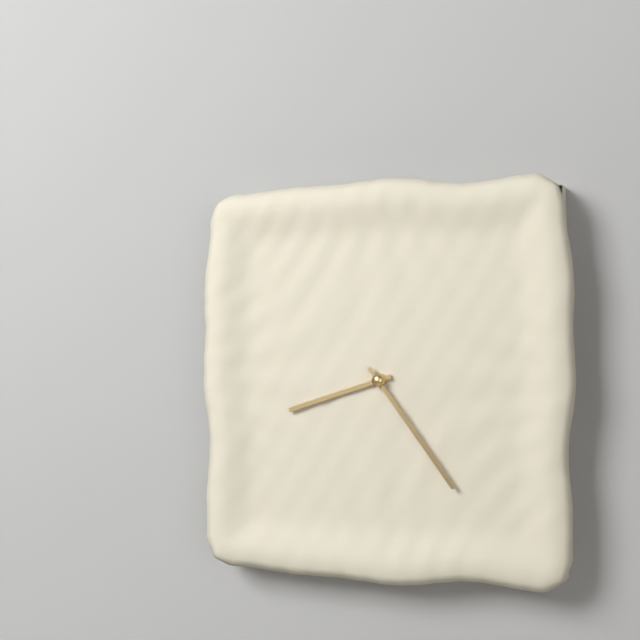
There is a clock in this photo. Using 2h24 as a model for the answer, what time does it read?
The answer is 8h24
